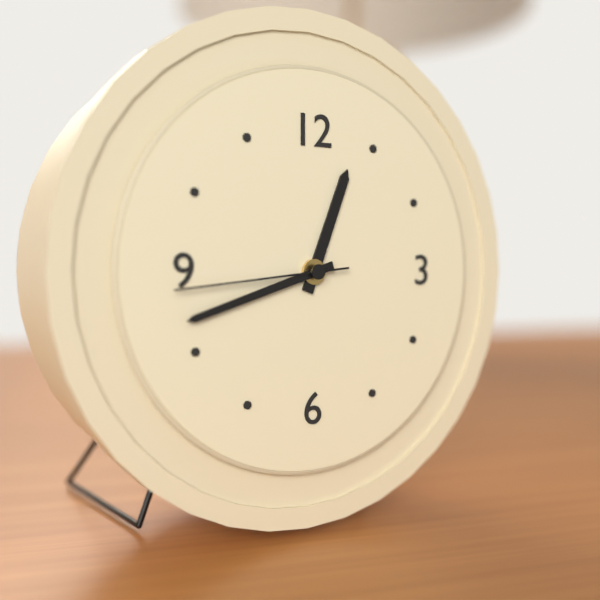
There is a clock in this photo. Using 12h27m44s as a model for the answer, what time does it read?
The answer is 12h42m44s
